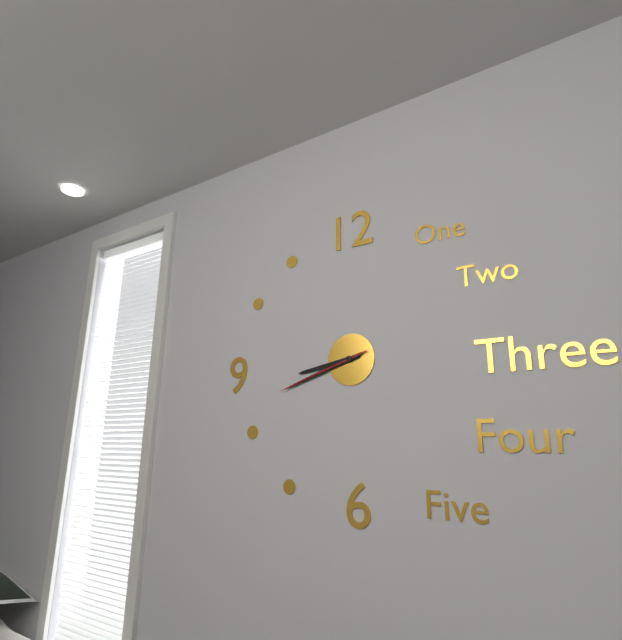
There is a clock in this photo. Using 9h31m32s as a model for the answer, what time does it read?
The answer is 8h42m42s
